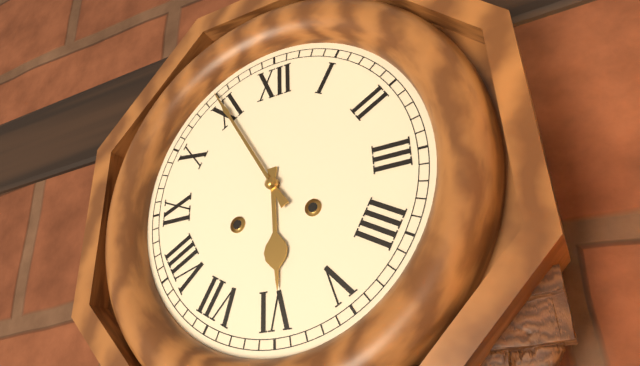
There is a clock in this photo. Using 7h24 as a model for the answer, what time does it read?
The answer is 5h55
